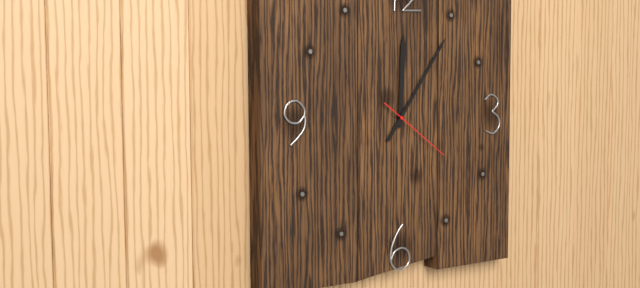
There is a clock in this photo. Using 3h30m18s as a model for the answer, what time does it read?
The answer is 12h06m21s
